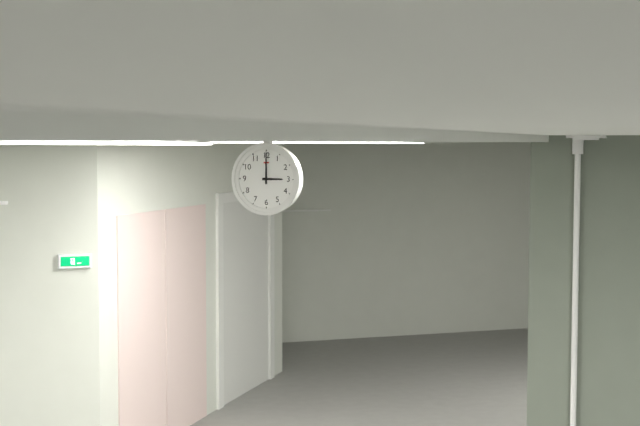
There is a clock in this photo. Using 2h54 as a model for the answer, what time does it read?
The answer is 3h00
